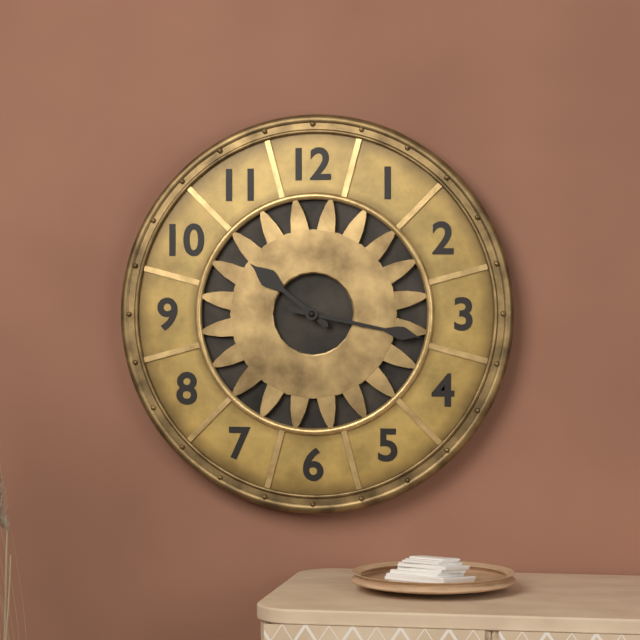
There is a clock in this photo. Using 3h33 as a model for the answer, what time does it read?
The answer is 10h17
